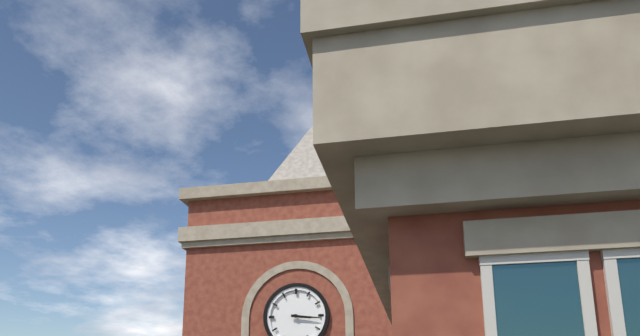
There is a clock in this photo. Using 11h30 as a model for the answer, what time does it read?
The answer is 3h16
